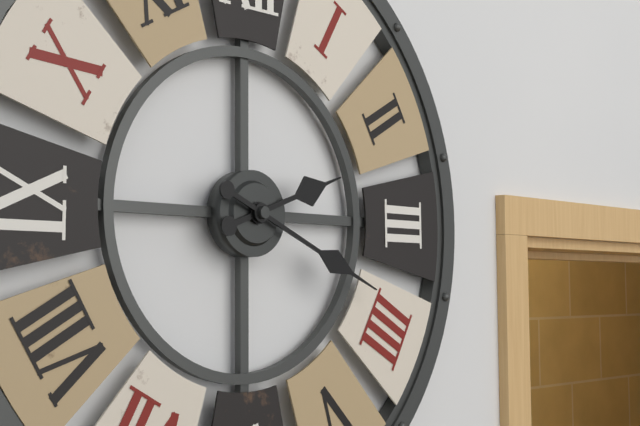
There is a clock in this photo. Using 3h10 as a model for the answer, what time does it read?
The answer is 2h19
